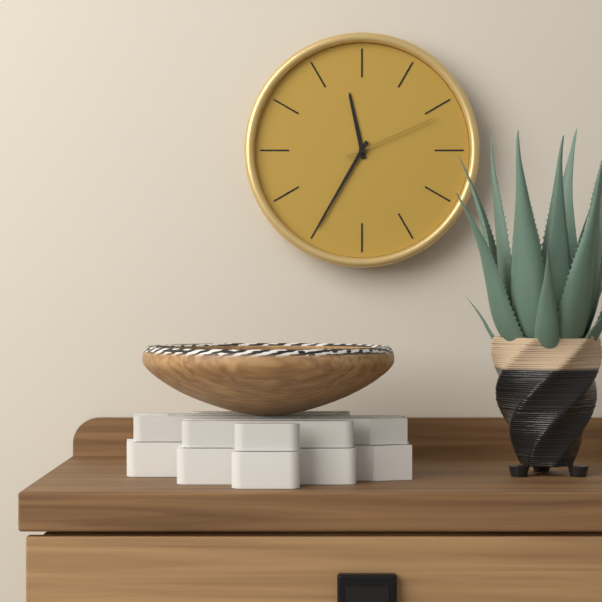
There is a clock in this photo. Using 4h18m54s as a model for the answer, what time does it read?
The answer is 11h35m11s
